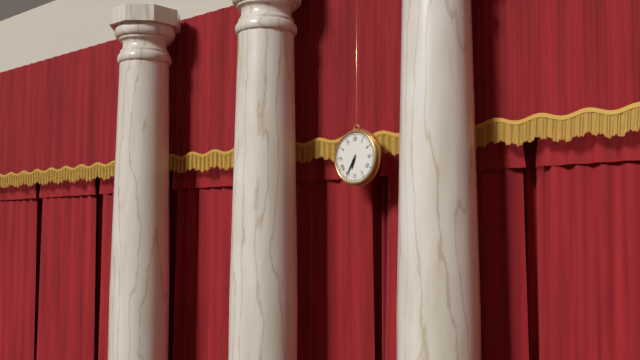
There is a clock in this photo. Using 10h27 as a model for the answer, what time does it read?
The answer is 6h35
